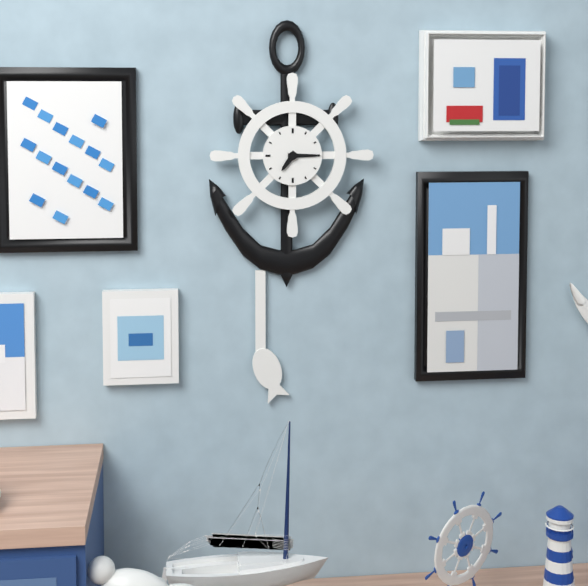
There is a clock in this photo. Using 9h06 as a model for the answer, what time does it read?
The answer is 7h15
